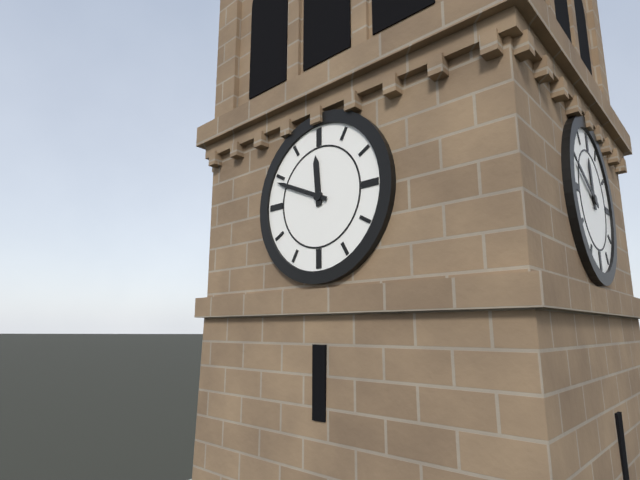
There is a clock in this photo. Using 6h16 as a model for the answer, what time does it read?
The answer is 11h49
